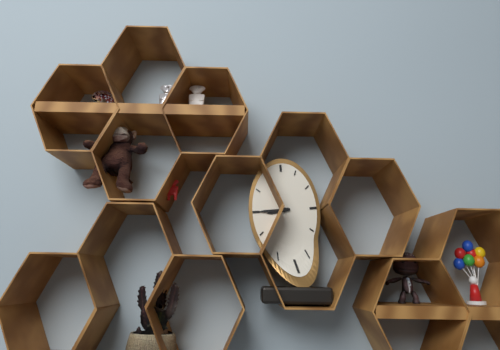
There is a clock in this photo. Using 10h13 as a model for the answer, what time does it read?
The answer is 8h45
